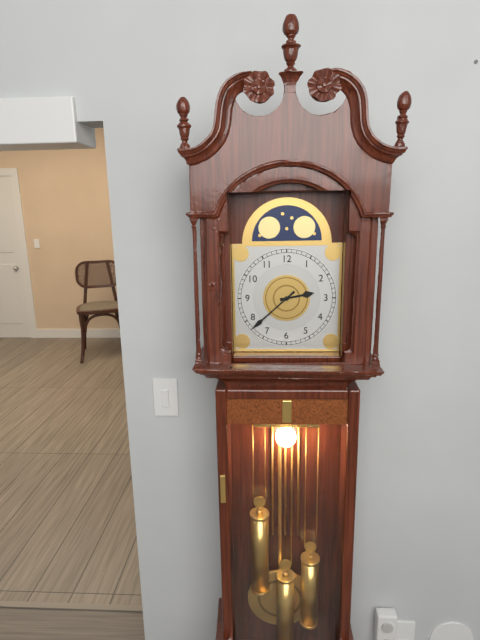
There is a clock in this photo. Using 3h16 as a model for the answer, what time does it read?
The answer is 2h38
